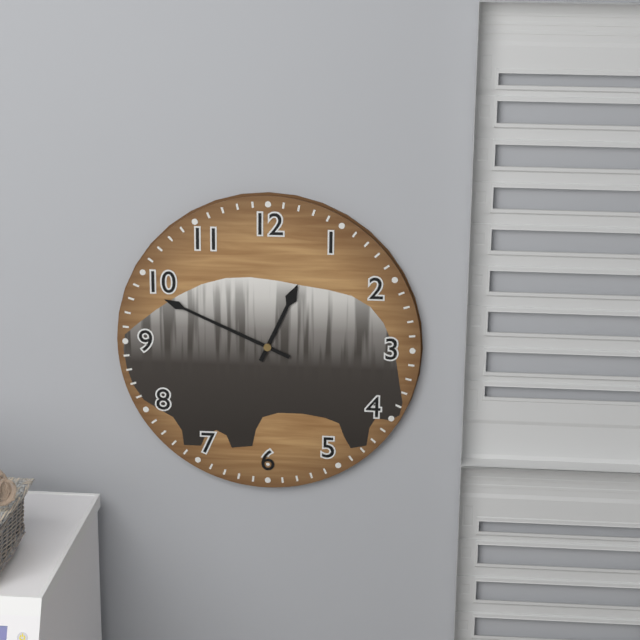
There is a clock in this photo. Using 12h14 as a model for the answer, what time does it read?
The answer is 12h49
